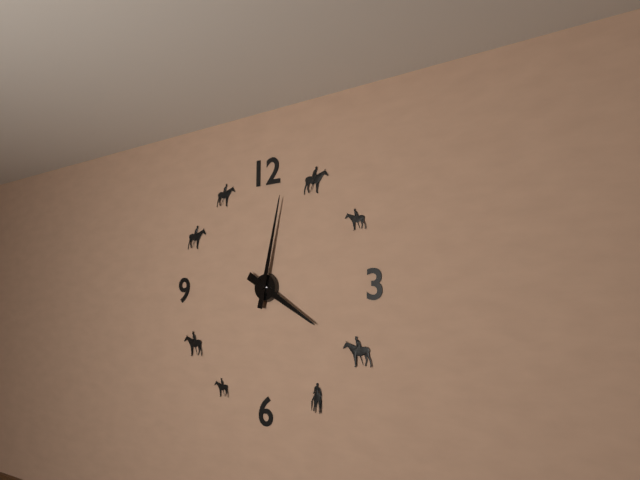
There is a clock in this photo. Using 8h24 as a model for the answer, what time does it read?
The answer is 4h02
